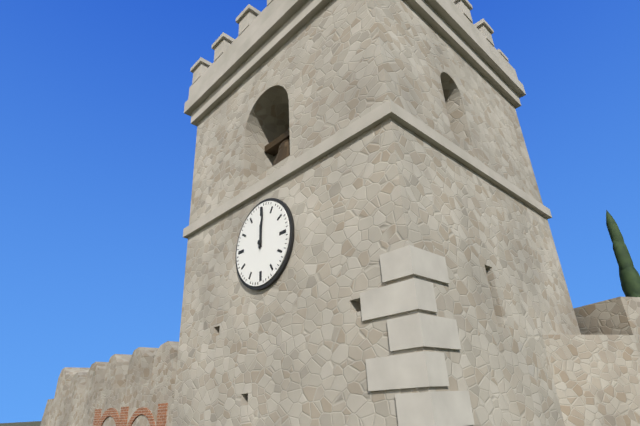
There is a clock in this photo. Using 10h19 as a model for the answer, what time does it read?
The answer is 12h01
